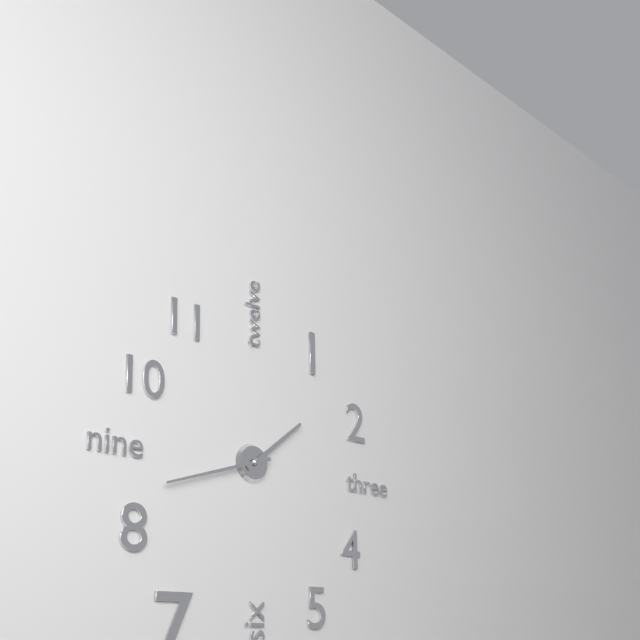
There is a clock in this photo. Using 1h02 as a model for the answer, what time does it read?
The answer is 1h42
